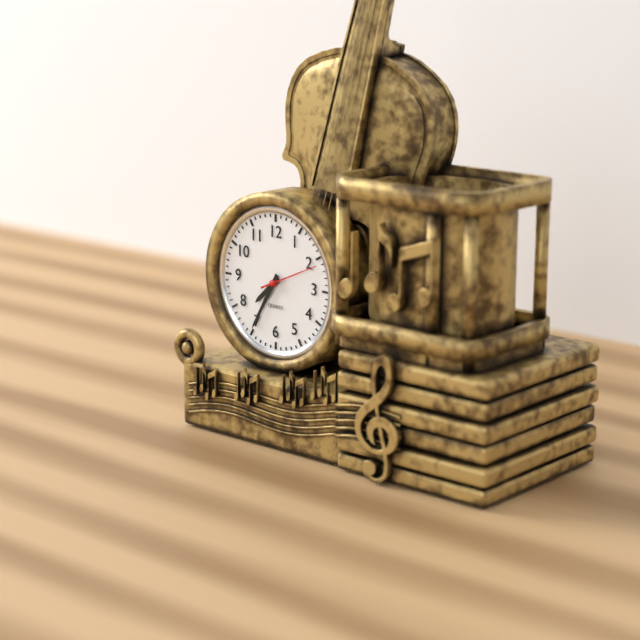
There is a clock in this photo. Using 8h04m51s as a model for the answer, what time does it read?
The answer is 7h35m11s
